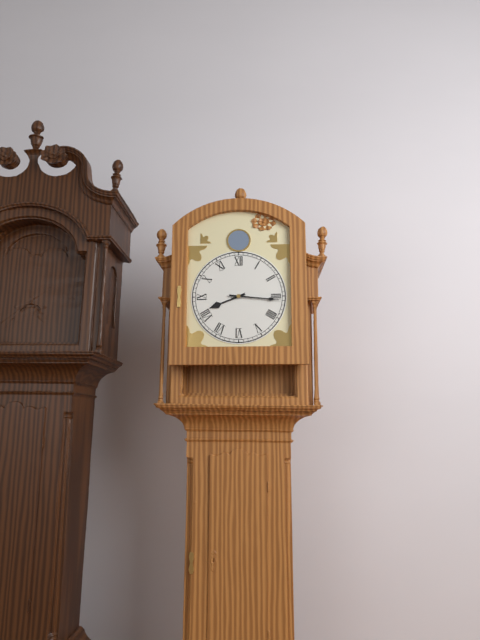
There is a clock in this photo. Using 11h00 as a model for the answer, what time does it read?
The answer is 8h16
